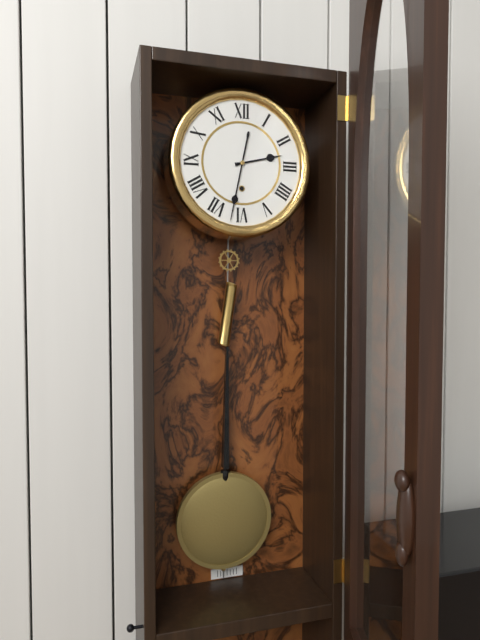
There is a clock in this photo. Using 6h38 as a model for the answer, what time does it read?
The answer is 2h32
